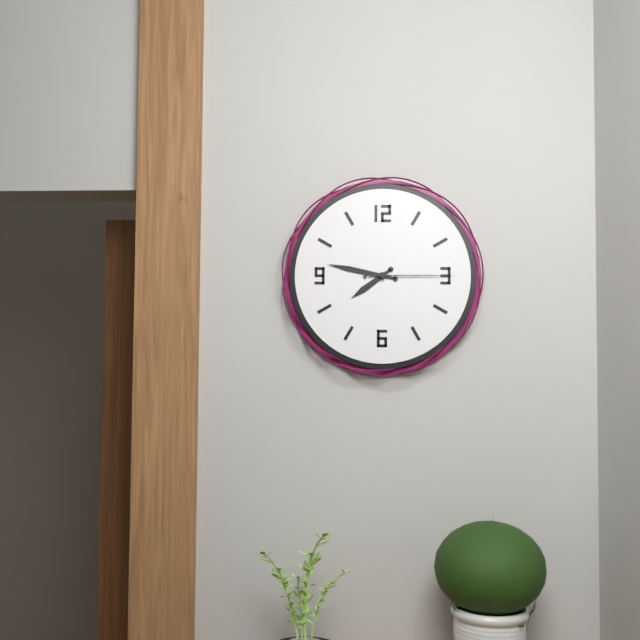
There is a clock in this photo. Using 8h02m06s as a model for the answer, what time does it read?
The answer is 7h47m15s
